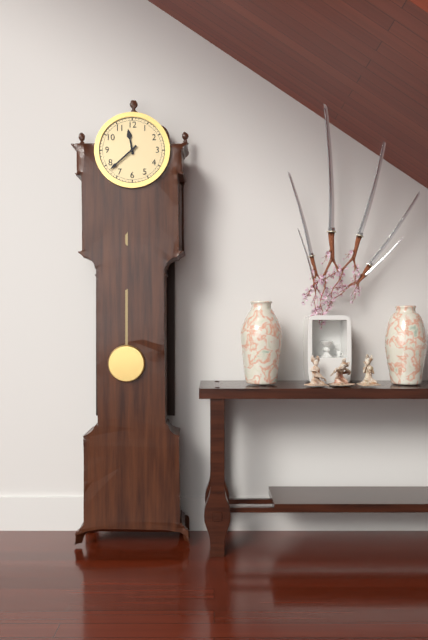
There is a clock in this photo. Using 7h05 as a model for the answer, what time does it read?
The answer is 11h38
